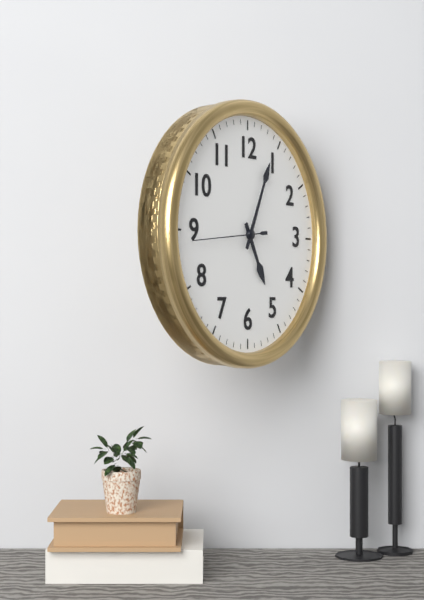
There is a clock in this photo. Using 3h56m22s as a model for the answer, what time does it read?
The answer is 5h04m44s
